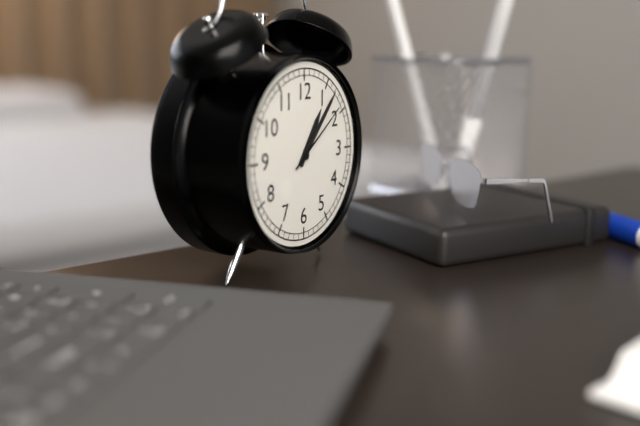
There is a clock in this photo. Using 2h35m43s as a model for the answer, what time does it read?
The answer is 1h07m09s
